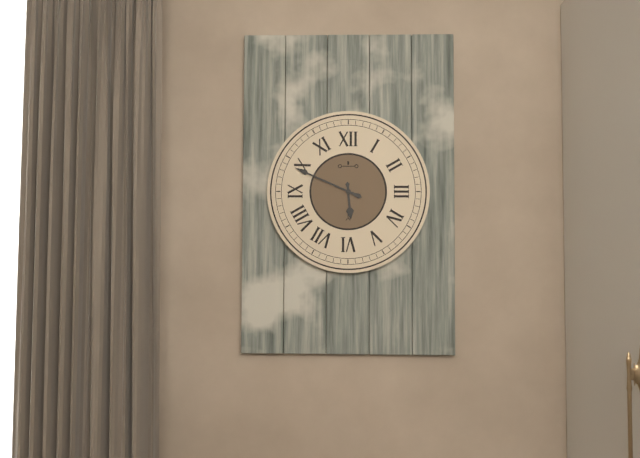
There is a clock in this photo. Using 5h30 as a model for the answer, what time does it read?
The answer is 5h49
